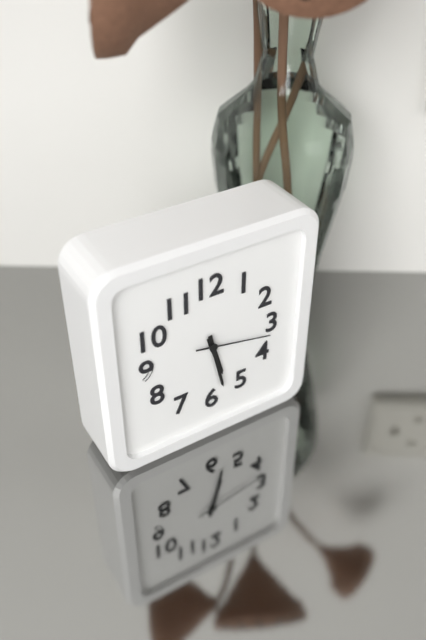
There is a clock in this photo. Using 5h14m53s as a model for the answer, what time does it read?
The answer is 5h28m17s
